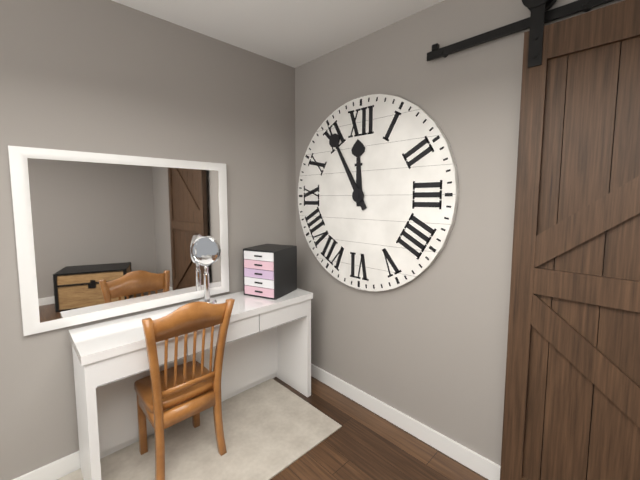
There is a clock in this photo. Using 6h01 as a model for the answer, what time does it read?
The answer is 11h55
